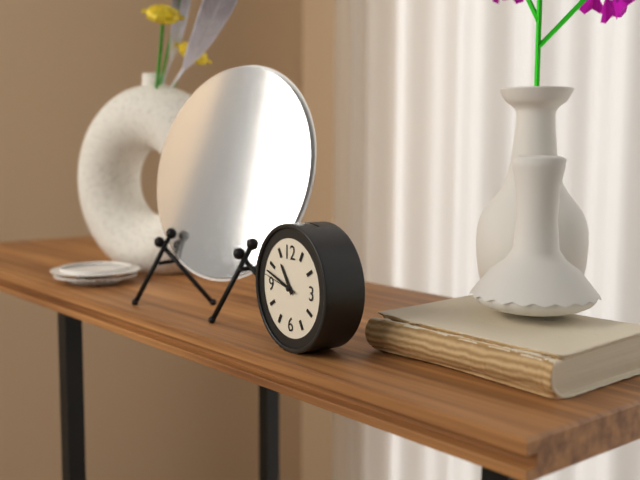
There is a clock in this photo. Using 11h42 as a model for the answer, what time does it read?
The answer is 10h48
